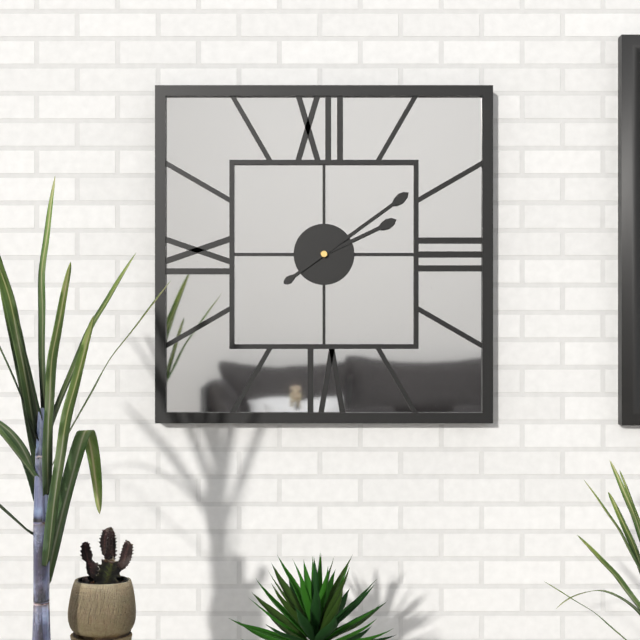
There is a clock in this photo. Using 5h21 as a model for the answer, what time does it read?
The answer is 2h09
